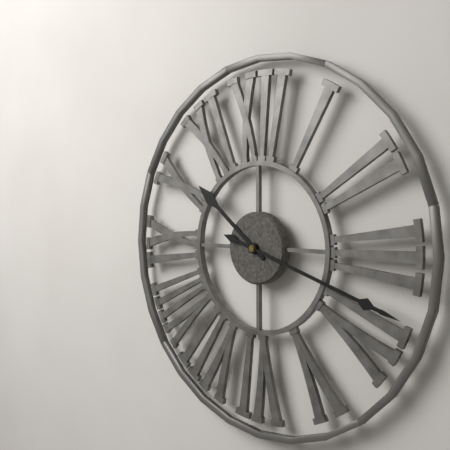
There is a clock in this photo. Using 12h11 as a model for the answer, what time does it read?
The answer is 10h18
